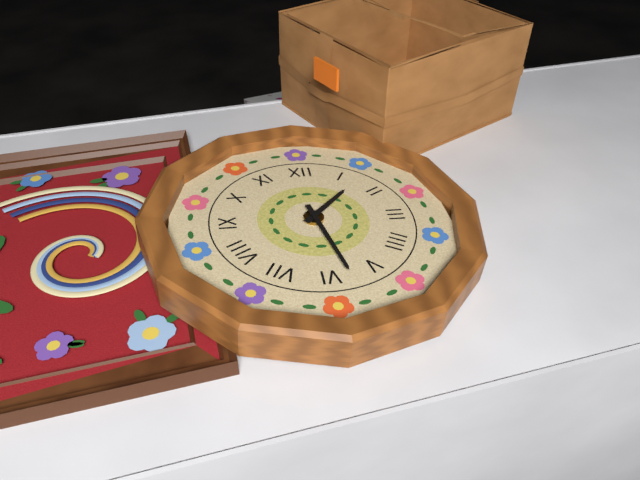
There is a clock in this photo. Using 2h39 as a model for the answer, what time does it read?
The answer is 1h28
